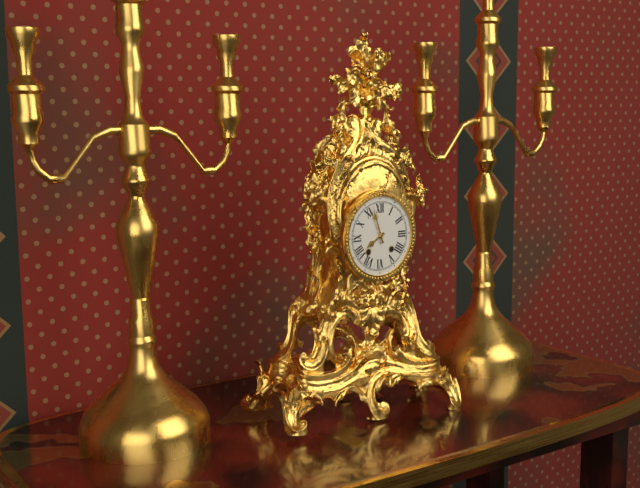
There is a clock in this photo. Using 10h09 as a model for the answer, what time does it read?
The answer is 7h57
